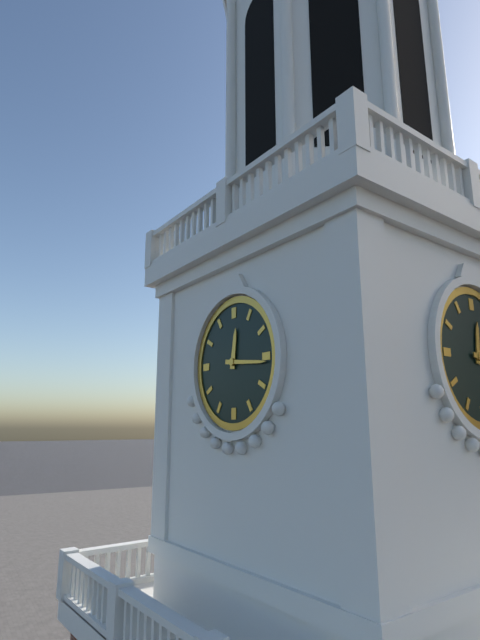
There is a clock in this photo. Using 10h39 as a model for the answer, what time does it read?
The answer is 12h16
